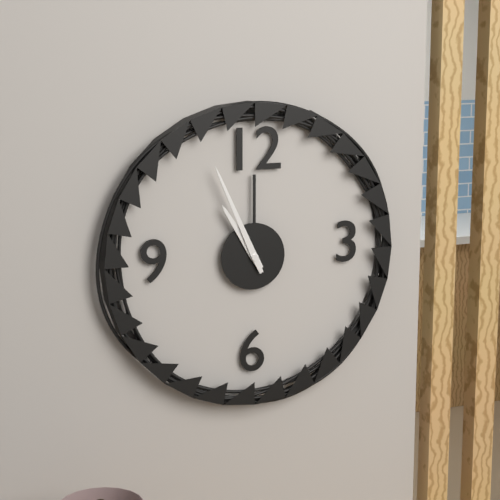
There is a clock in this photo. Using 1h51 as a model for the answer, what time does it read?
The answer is 10h56
